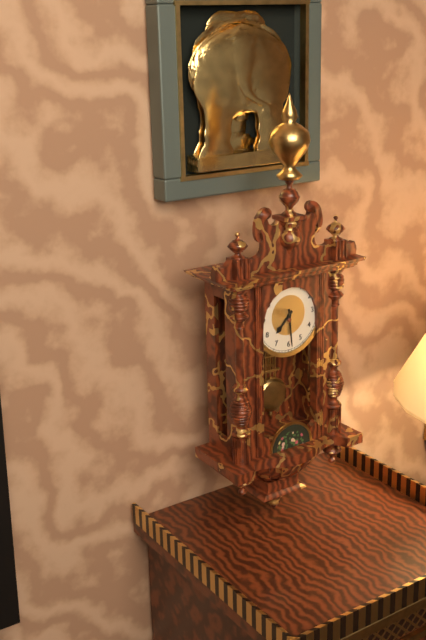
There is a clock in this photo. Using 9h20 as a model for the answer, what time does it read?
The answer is 7h29
